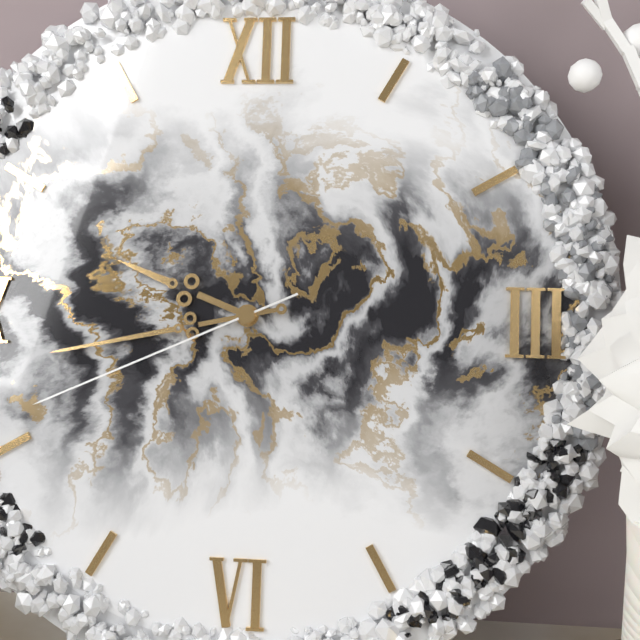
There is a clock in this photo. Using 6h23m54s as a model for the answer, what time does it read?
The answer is 9h43m41s
